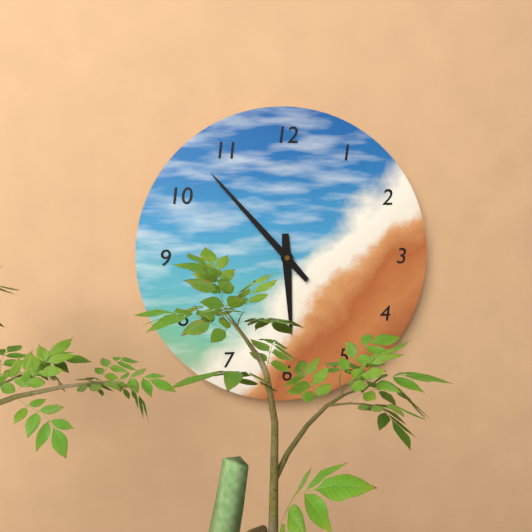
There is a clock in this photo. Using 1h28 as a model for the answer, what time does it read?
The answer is 5h53
